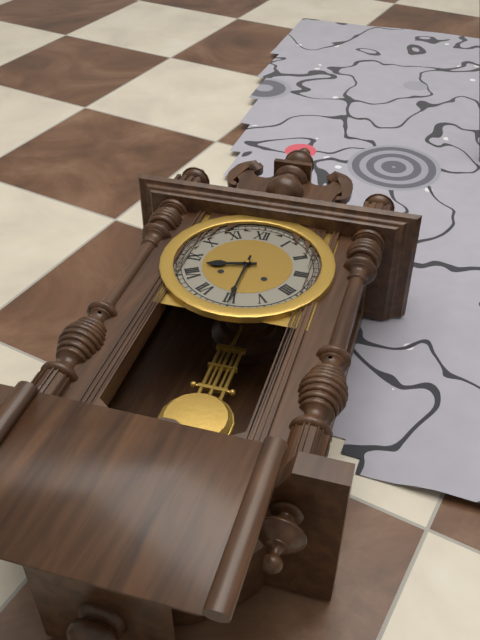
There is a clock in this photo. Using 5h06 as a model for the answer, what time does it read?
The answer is 8h30
